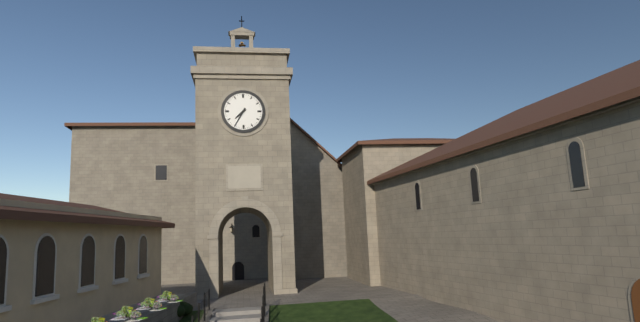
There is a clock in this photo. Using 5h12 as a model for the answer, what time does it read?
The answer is 7h35
